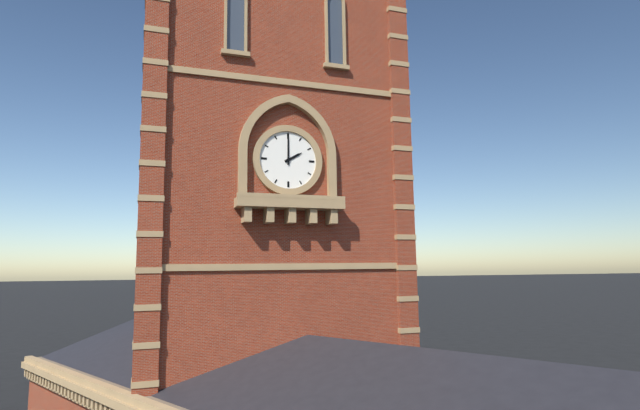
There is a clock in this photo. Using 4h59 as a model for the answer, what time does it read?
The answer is 2h00
